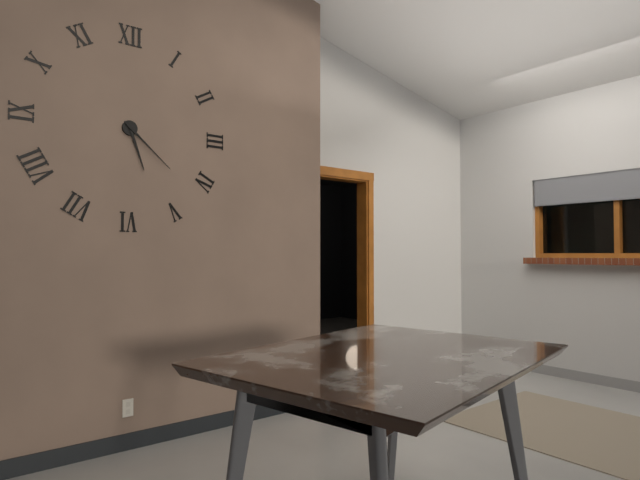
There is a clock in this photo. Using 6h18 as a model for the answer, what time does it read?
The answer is 5h22
